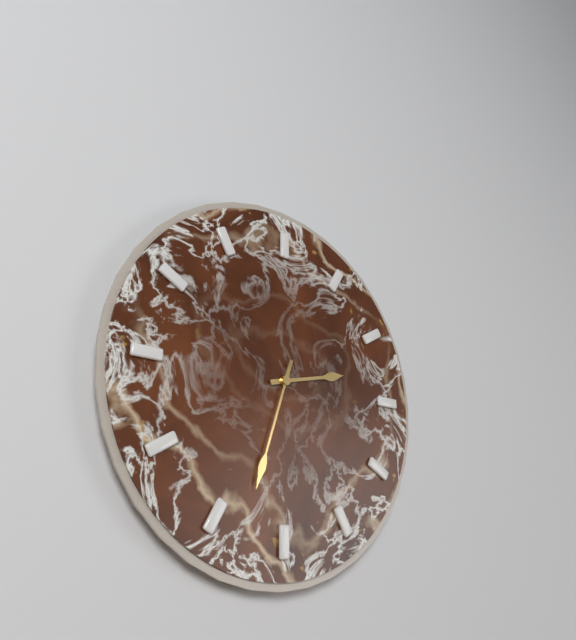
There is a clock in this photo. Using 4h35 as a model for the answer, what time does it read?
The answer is 2h33
